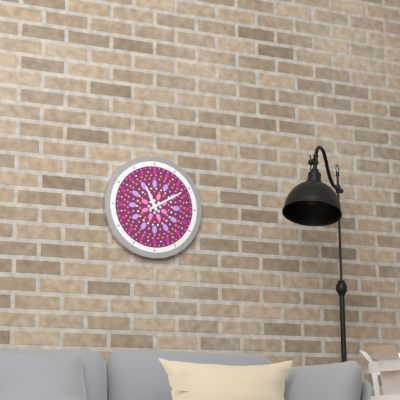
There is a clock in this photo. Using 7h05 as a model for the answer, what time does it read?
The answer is 11h10
